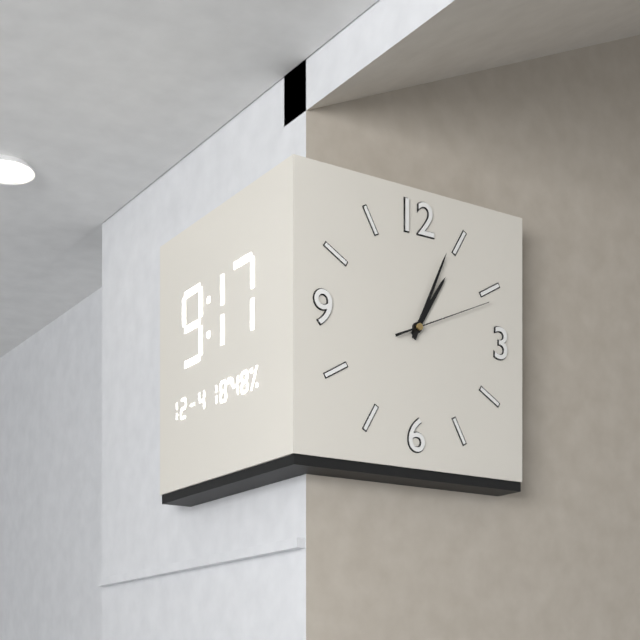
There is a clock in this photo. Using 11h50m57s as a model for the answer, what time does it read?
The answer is 1h04m11s
